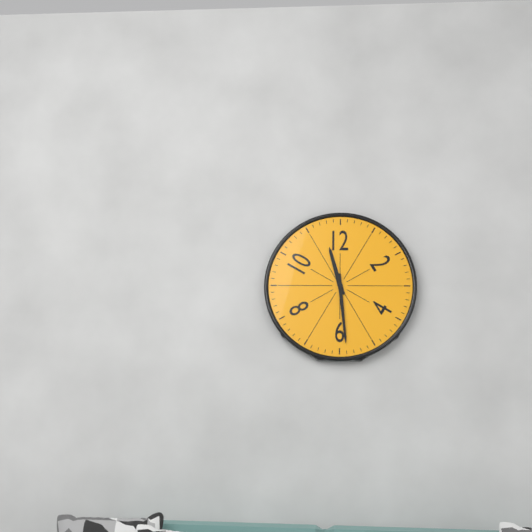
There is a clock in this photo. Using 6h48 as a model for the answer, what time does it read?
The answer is 11h29
